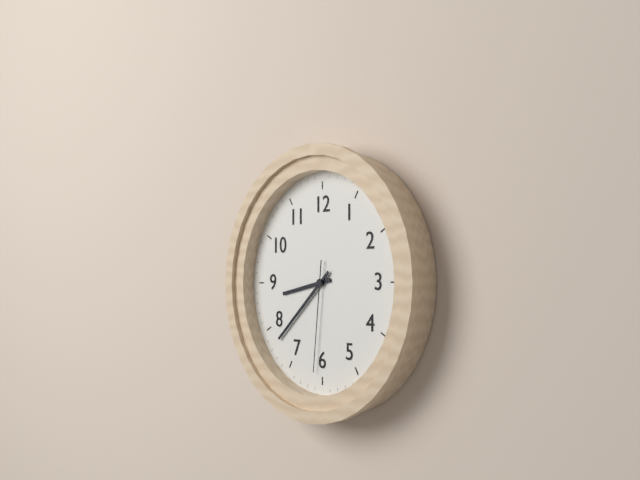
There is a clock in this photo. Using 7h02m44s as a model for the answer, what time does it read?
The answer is 8h38m31s
